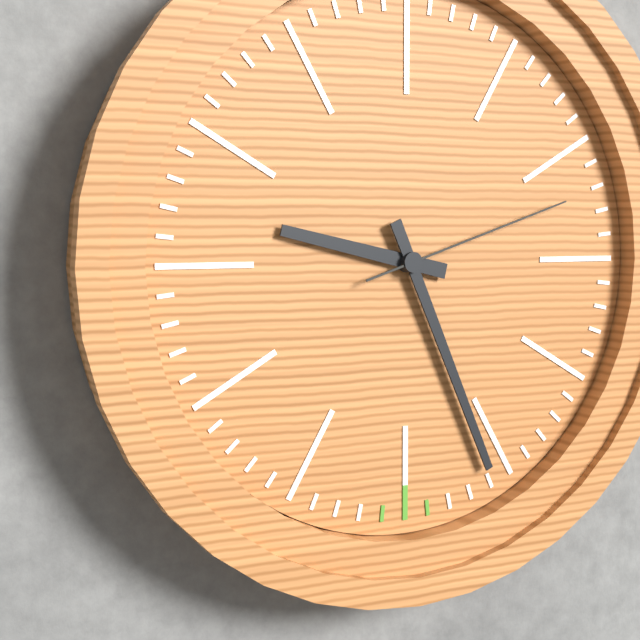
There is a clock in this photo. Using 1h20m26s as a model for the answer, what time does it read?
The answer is 9h26m12s
